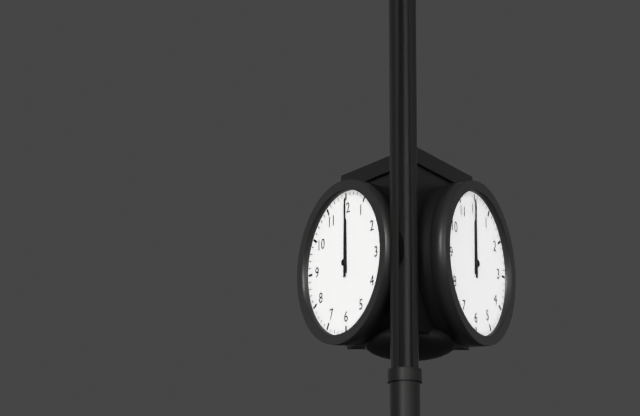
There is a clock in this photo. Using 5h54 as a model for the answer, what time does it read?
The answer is 12h00
